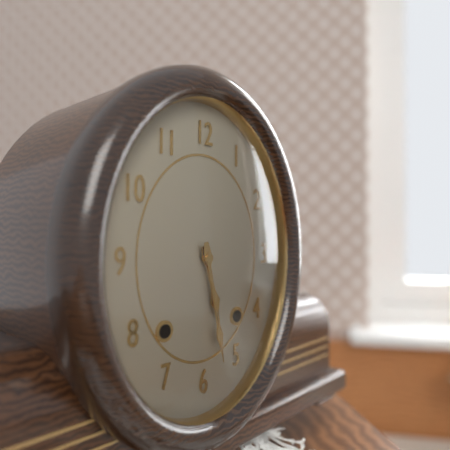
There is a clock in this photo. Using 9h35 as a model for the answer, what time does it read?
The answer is 5h28
